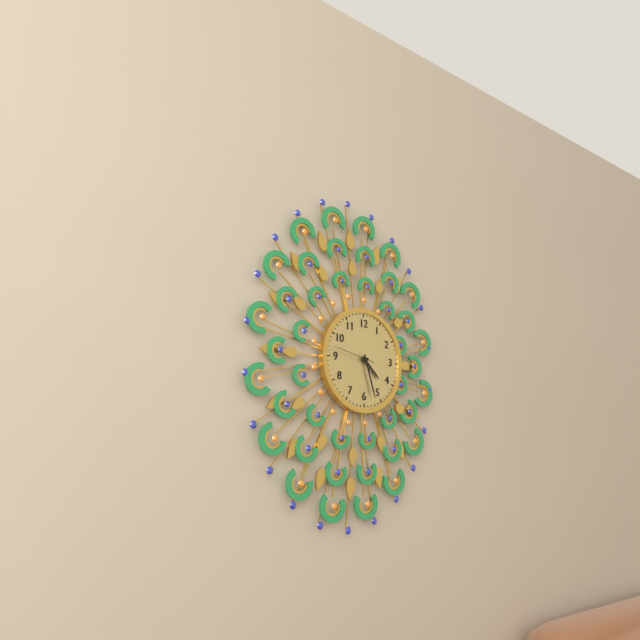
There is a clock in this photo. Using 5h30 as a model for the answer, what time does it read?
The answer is 4h27
